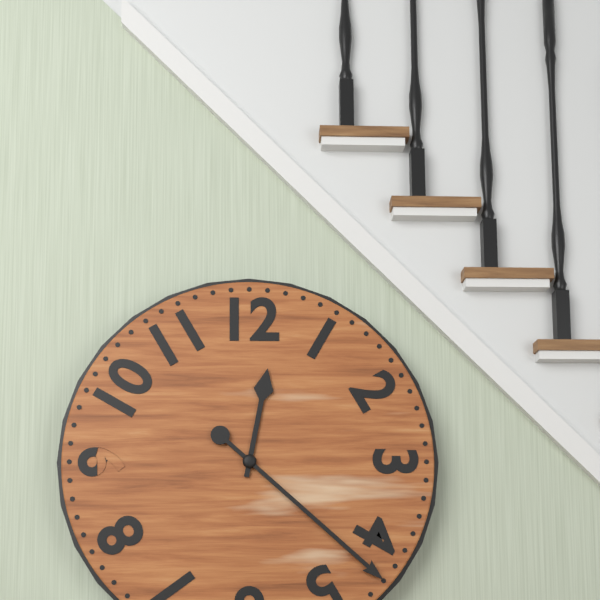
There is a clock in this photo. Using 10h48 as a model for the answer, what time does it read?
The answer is 12h22
